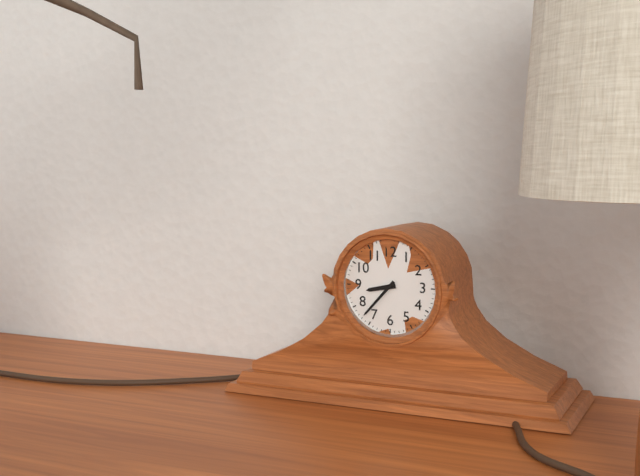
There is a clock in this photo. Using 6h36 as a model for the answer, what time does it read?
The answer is 8h37
